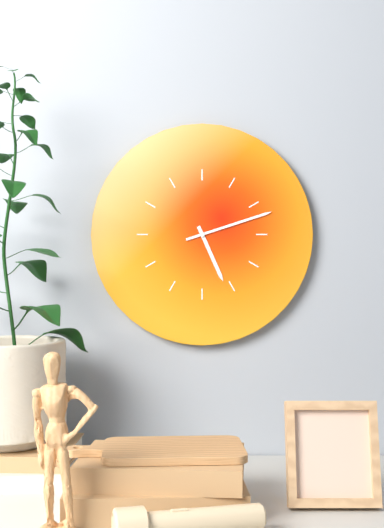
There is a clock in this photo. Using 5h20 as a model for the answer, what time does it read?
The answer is 5h12
